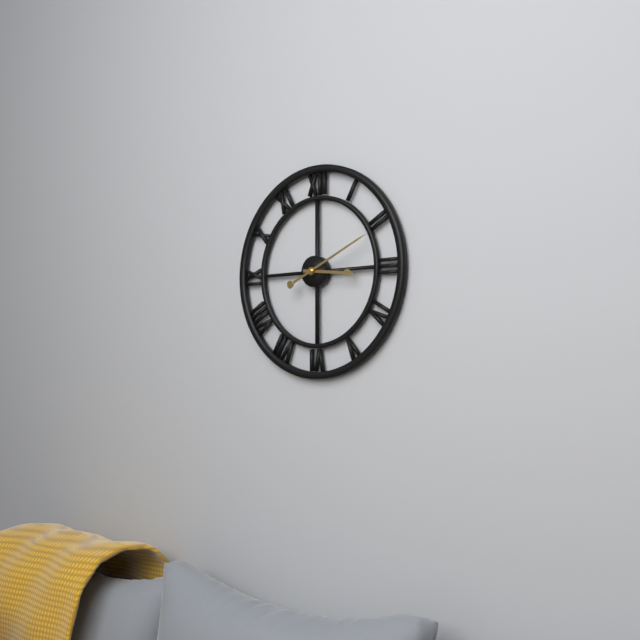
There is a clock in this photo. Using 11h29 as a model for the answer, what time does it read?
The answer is 3h11
